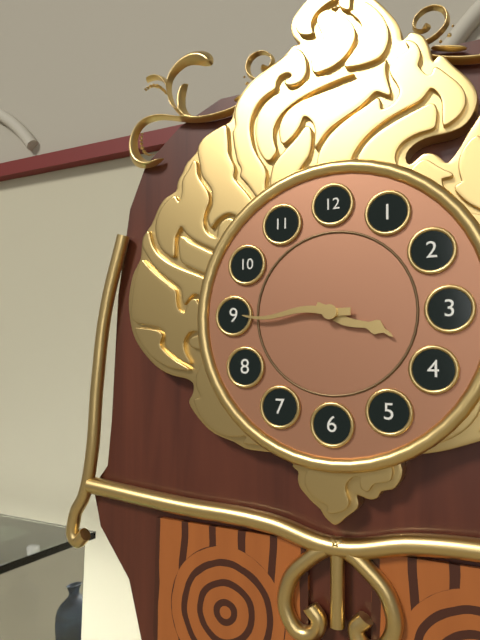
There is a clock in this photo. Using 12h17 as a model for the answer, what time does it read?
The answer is 3h45
